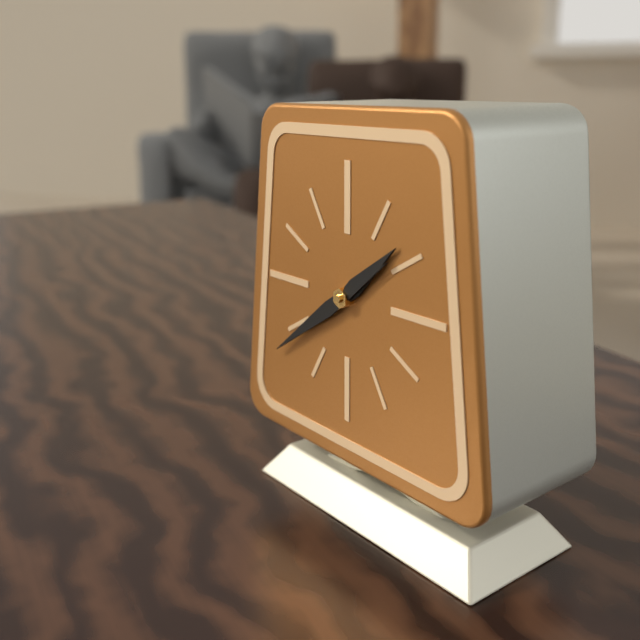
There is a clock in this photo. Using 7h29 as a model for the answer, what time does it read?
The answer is 1h39
